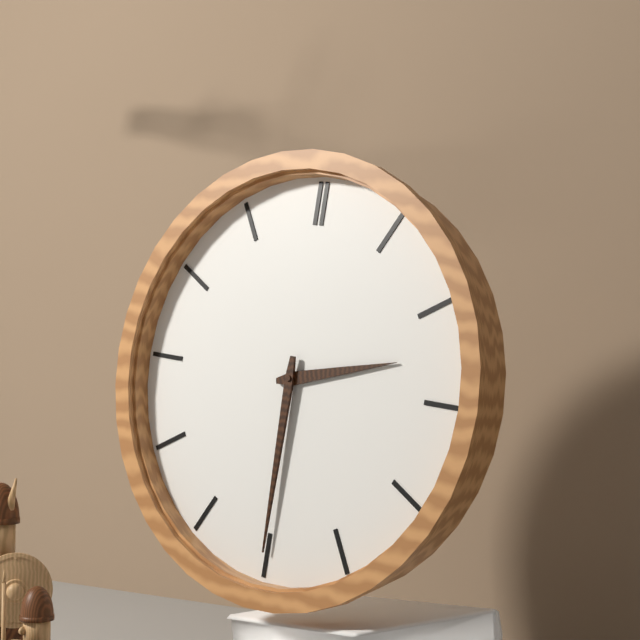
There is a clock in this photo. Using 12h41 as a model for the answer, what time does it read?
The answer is 2h30
